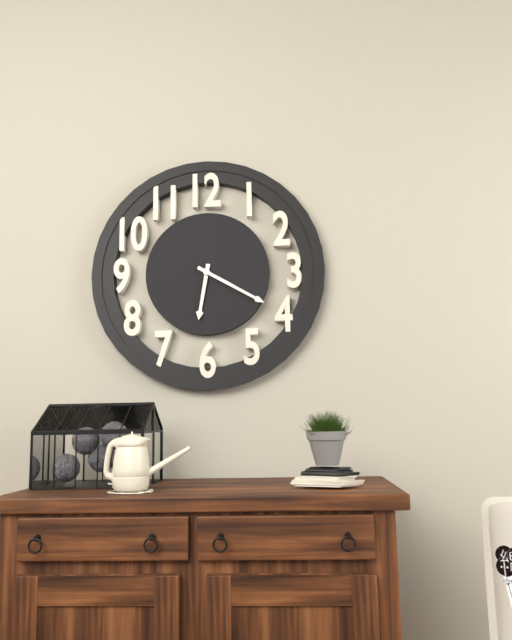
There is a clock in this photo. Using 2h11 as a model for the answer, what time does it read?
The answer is 6h20
